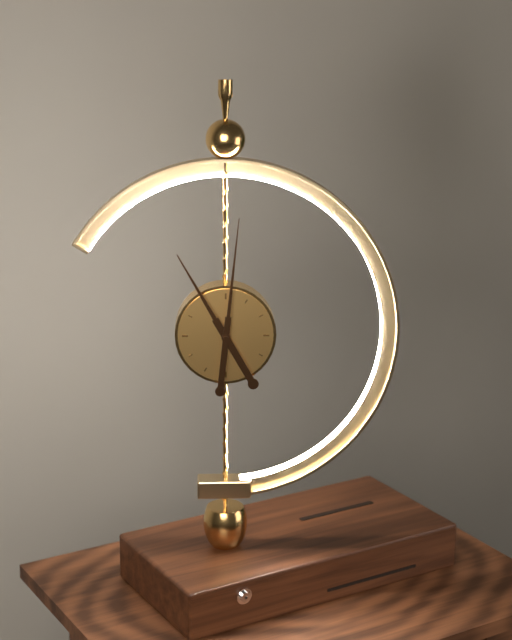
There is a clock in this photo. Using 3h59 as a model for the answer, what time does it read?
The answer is 11h01
